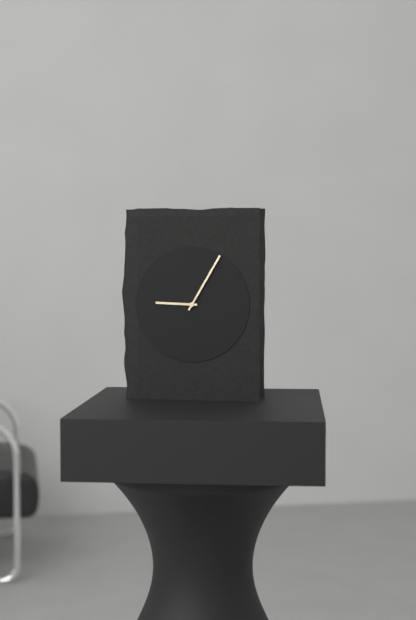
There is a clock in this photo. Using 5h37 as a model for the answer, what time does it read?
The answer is 9h05
